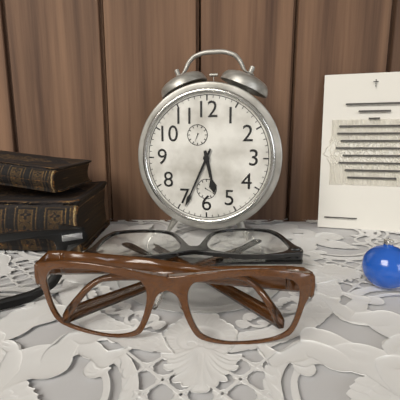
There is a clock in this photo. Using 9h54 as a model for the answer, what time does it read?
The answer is 5h34
